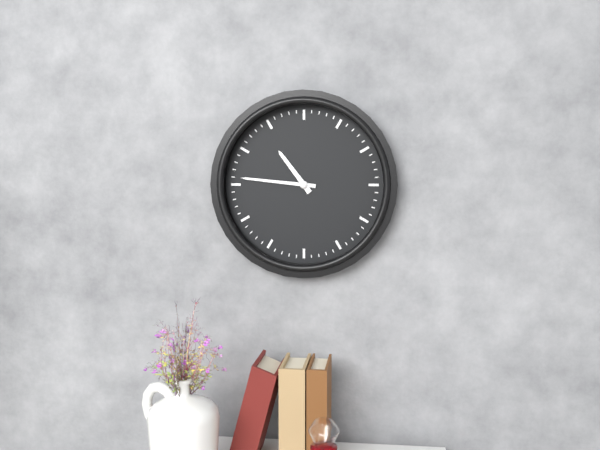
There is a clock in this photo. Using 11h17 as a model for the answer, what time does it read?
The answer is 10h46
